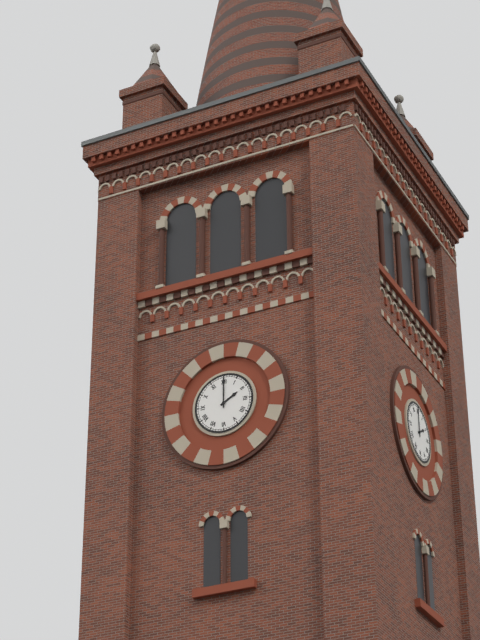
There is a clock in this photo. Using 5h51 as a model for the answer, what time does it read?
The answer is 2h00
